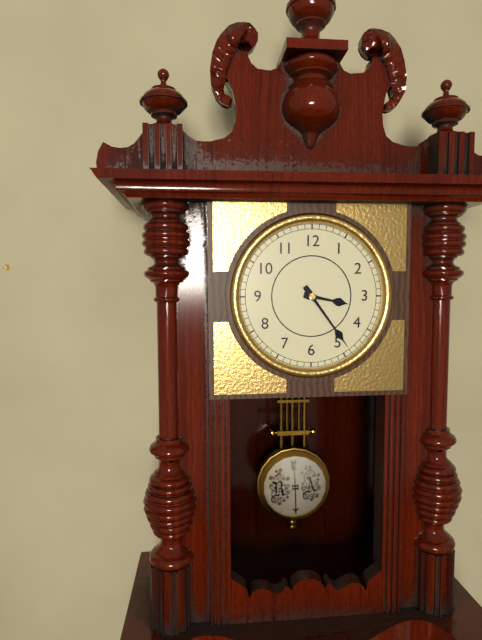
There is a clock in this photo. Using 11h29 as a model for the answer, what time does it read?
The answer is 3h24
